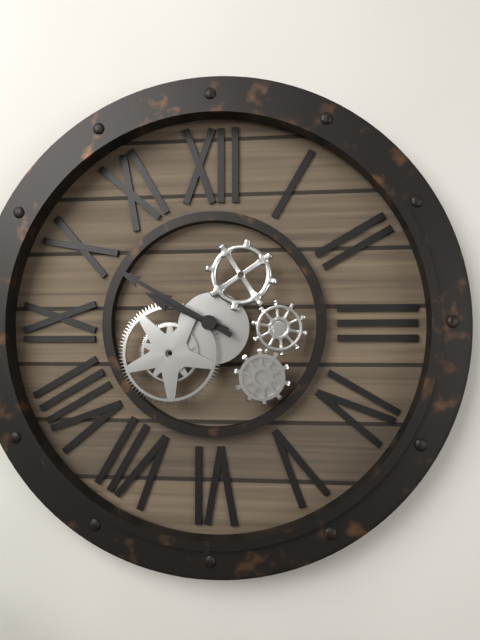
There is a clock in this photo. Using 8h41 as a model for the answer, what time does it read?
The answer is 9h50
